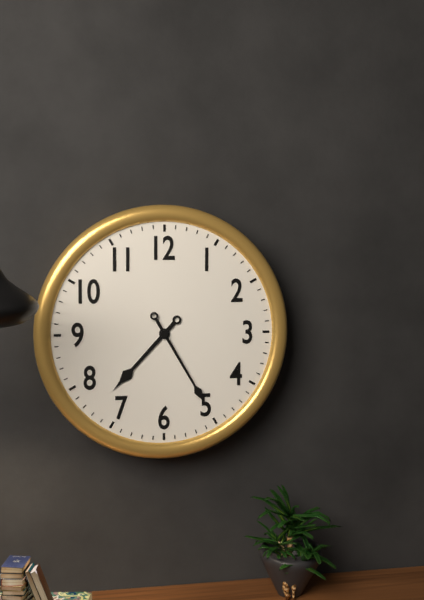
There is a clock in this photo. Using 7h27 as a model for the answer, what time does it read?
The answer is 7h25
